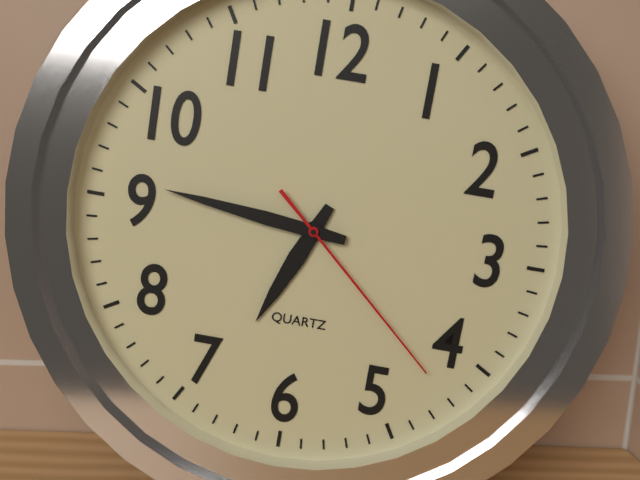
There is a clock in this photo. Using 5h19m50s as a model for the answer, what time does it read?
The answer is 6h46m22s
